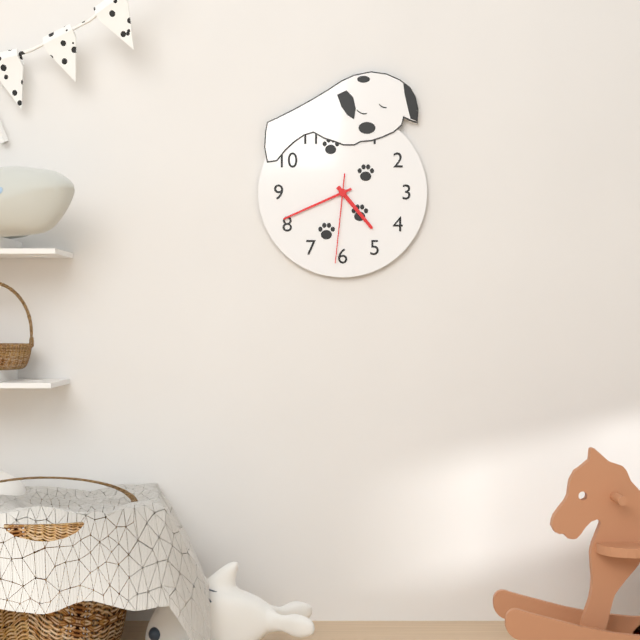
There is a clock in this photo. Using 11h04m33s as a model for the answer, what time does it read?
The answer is 4h41m31s
